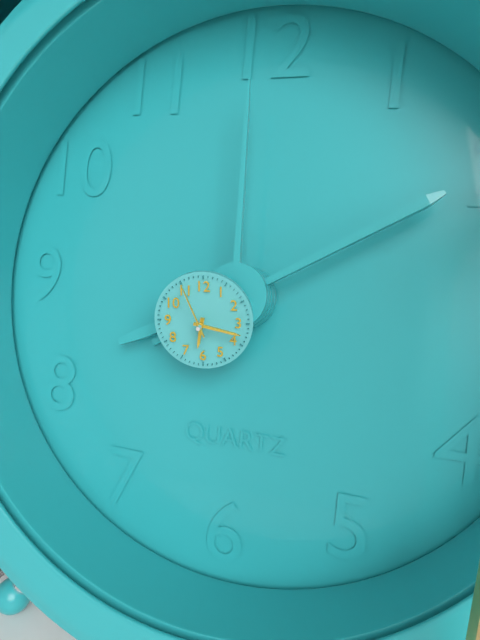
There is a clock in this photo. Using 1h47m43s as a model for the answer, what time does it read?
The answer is 6h17m56s
